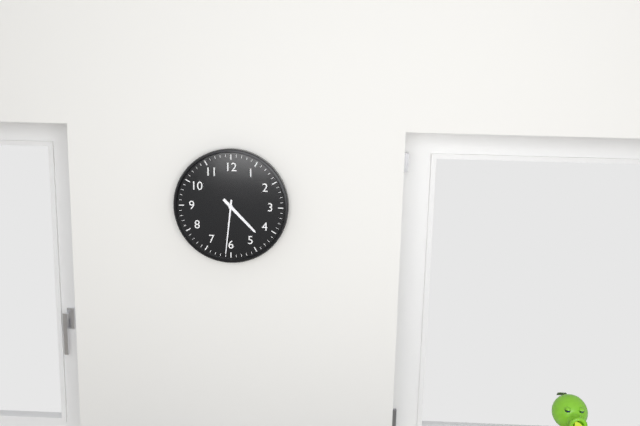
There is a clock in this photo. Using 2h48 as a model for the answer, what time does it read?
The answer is 4h31
